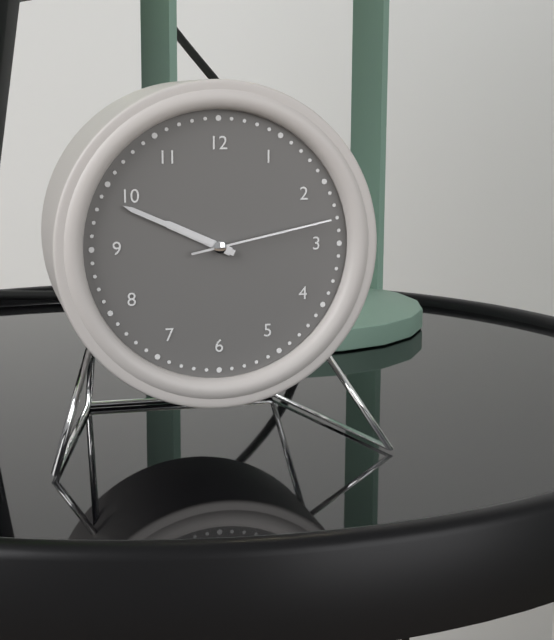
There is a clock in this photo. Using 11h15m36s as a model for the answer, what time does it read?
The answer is 9h49m13s
